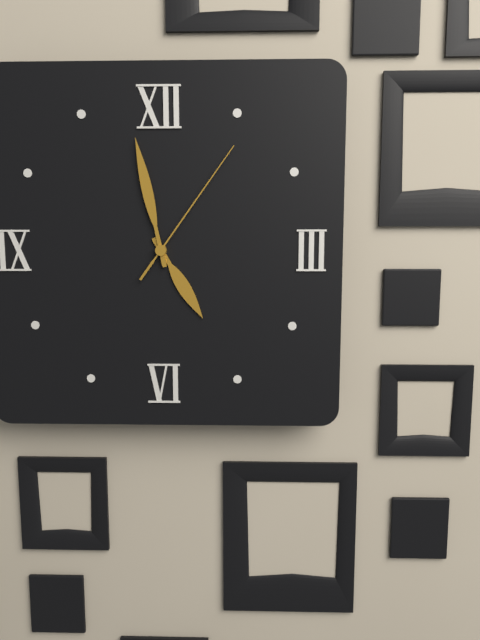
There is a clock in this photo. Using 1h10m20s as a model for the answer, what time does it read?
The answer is 4h58m06s
